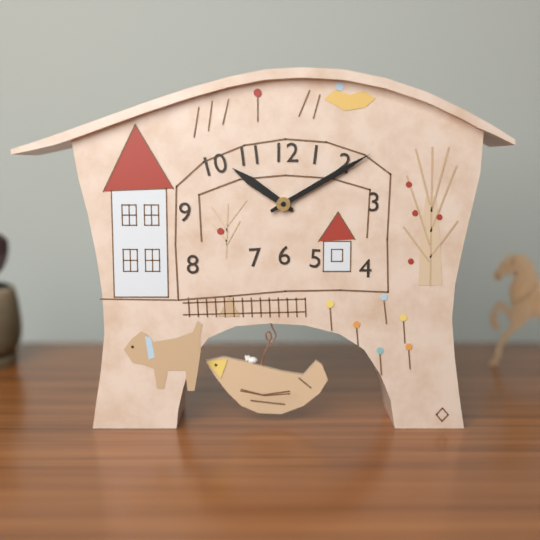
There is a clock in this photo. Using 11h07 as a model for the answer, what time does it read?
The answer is 10h10
